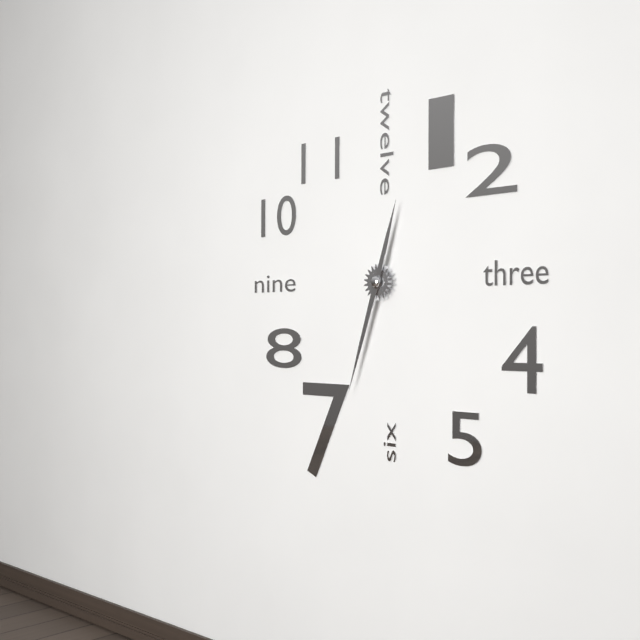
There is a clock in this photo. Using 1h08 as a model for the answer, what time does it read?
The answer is 12h33
